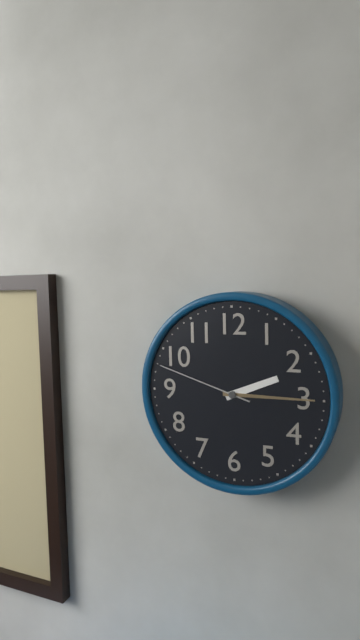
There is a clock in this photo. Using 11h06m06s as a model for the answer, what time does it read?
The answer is 2h15m48s
